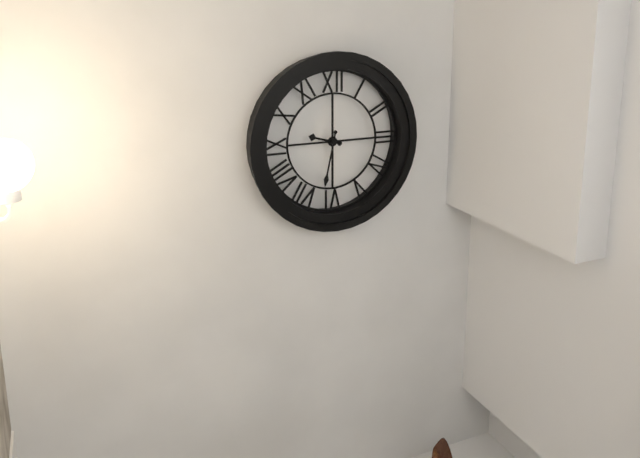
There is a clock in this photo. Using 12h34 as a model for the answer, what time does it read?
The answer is 9h32
